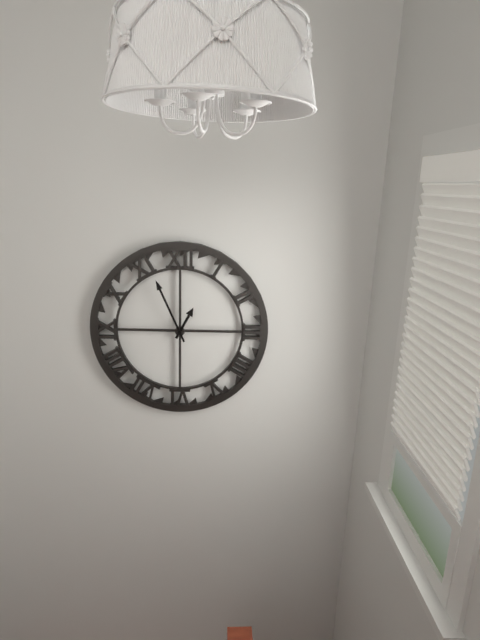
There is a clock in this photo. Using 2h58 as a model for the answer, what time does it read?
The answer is 12h56
